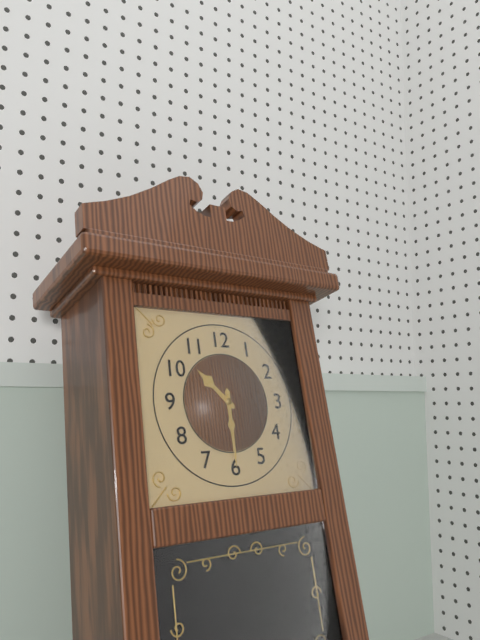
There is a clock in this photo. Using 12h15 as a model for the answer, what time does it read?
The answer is 10h30
